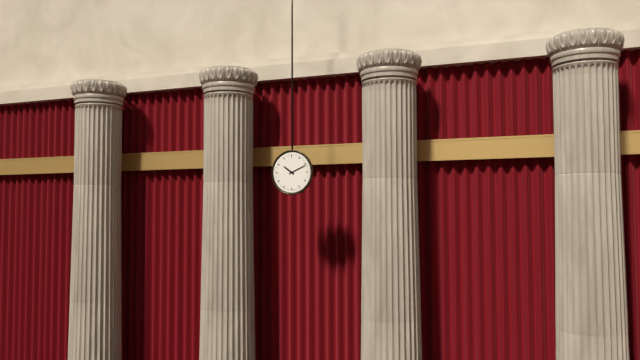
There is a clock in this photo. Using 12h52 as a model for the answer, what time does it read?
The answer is 10h11
